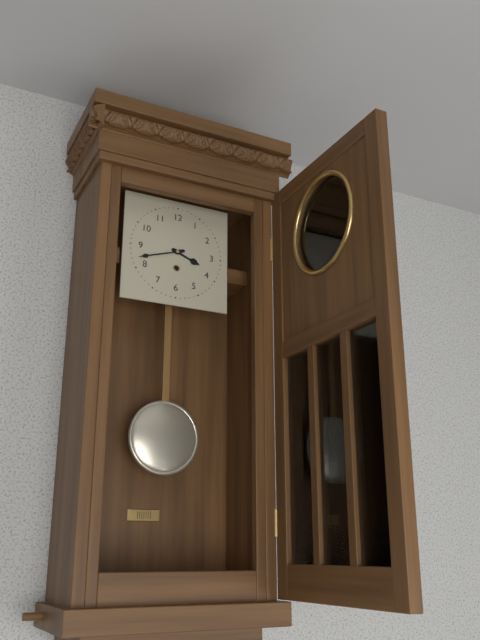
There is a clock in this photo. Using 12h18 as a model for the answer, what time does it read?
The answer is 3h42
